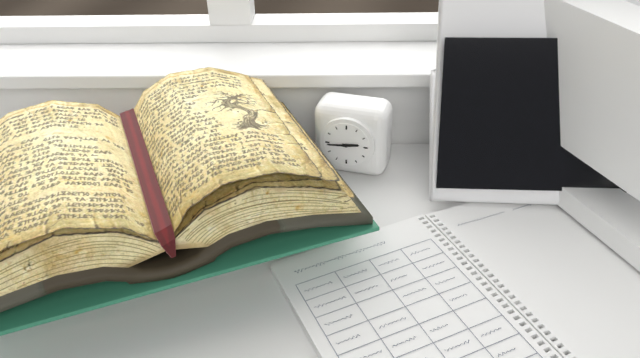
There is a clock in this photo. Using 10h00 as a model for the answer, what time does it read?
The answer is 2h44
